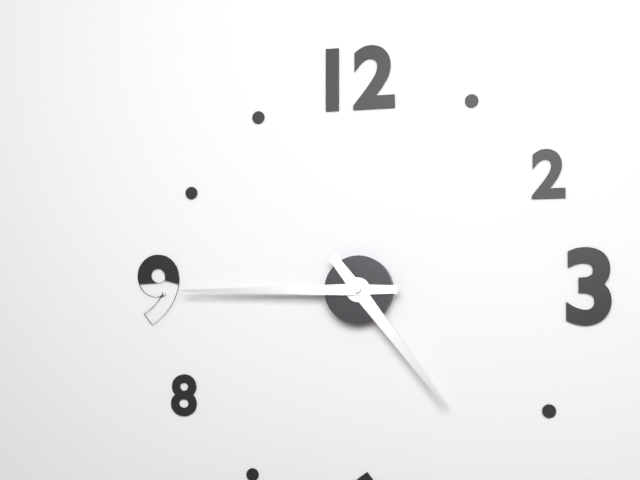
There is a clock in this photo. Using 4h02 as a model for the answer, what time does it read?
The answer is 4h45
